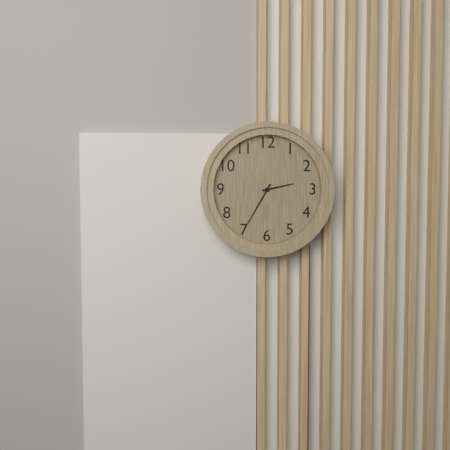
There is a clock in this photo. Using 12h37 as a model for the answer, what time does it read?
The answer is 2h35
